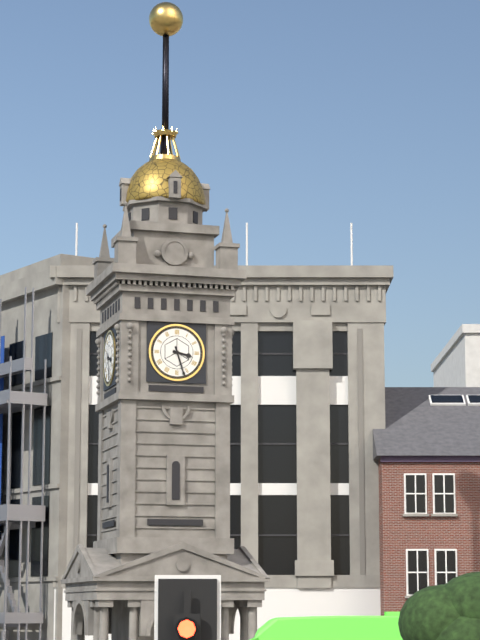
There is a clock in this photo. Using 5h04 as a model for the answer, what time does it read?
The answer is 3h27
